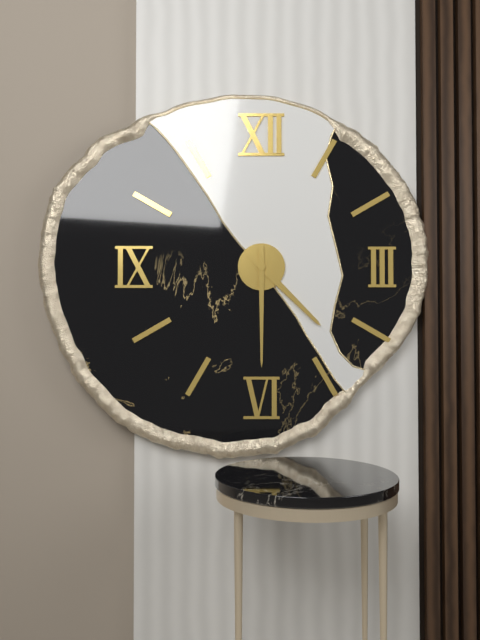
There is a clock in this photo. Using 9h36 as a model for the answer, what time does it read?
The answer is 4h30
